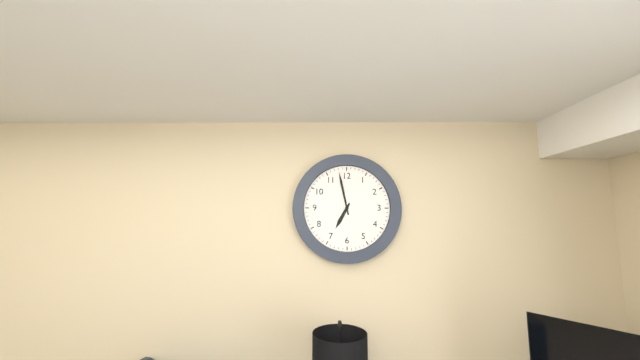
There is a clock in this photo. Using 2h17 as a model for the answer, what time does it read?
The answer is 6h58
